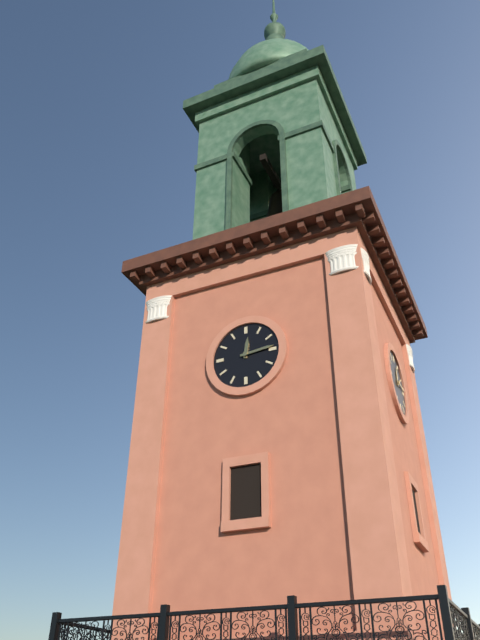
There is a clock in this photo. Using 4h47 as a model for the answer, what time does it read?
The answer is 12h14
